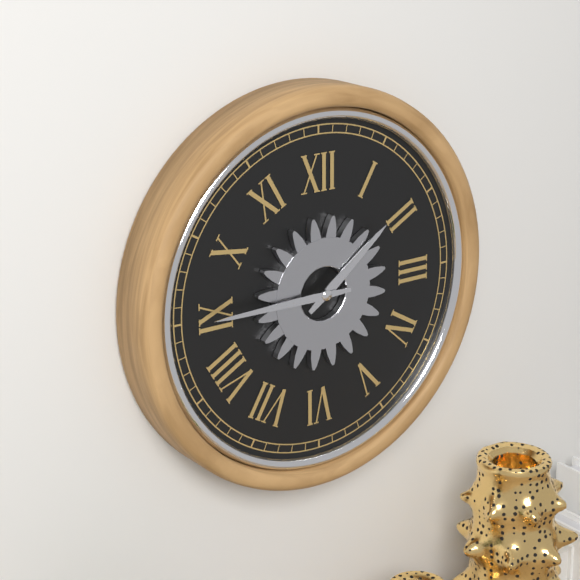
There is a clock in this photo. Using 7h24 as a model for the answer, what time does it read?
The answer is 1h45
